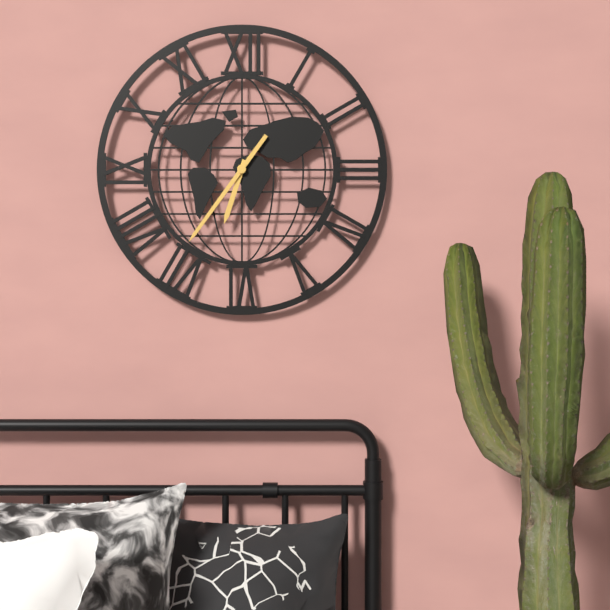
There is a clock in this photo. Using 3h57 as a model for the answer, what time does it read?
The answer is 6h36
